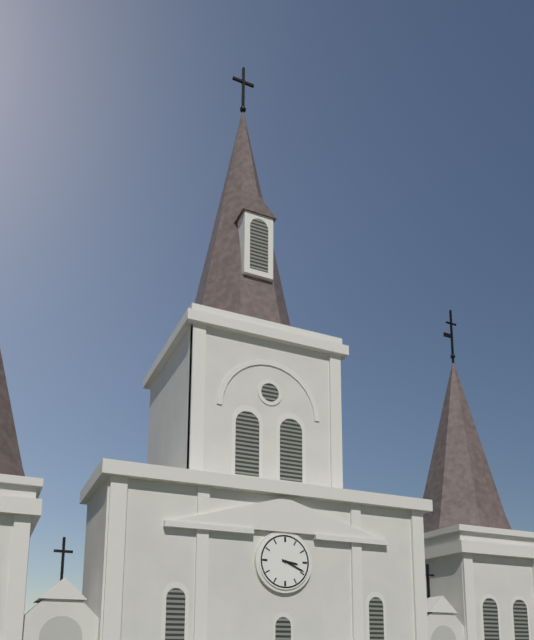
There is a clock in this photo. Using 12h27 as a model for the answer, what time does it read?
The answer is 3h19
